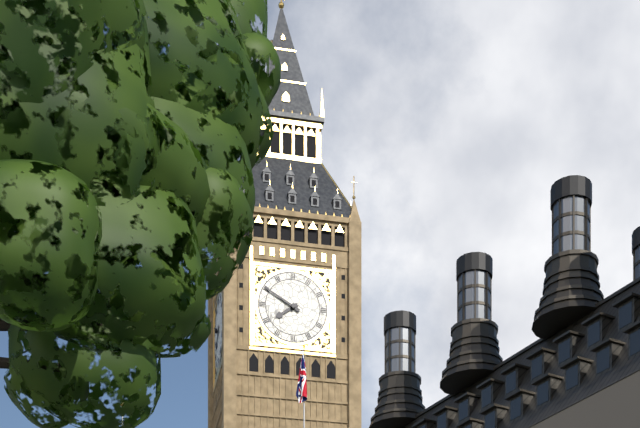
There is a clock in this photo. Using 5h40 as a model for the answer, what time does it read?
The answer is 7h50
